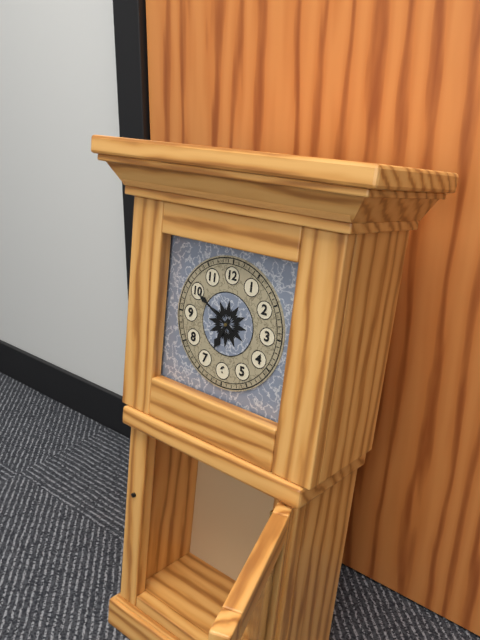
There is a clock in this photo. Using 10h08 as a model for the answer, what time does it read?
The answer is 6h50
